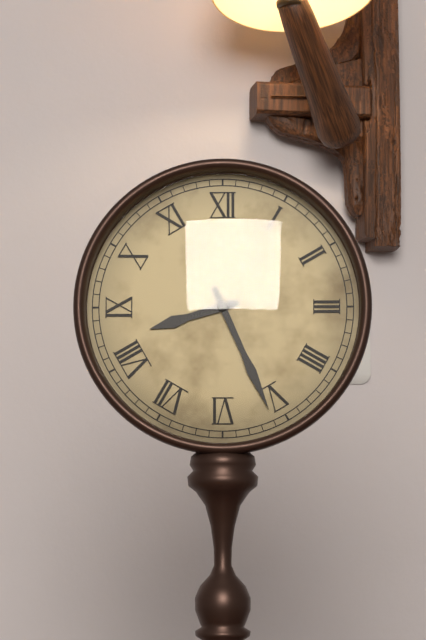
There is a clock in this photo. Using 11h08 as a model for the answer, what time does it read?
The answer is 8h26
